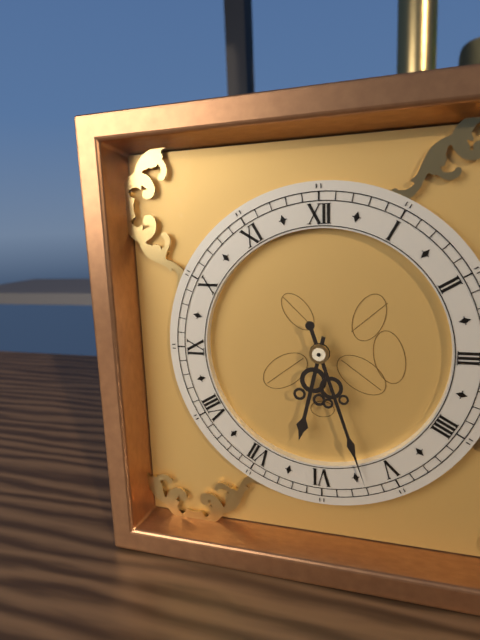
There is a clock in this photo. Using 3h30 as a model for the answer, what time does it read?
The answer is 6h27
